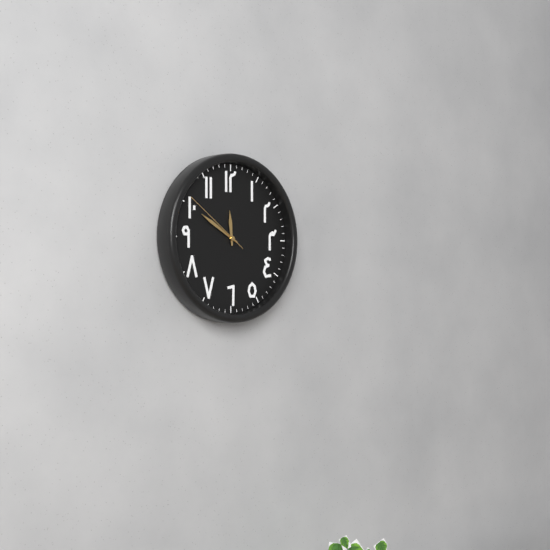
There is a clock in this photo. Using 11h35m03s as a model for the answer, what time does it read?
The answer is 11h50m51s
